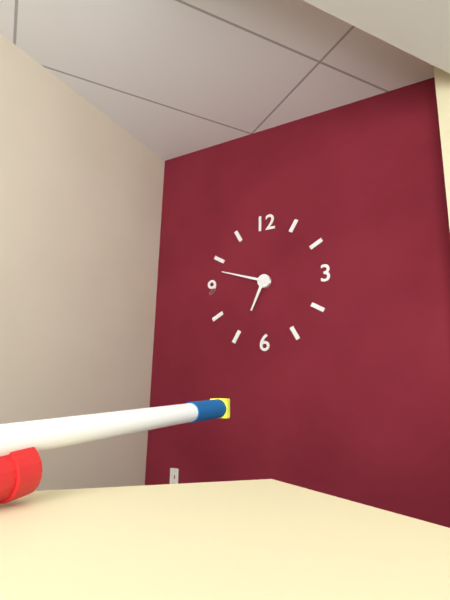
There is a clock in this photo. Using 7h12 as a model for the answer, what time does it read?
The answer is 6h48
